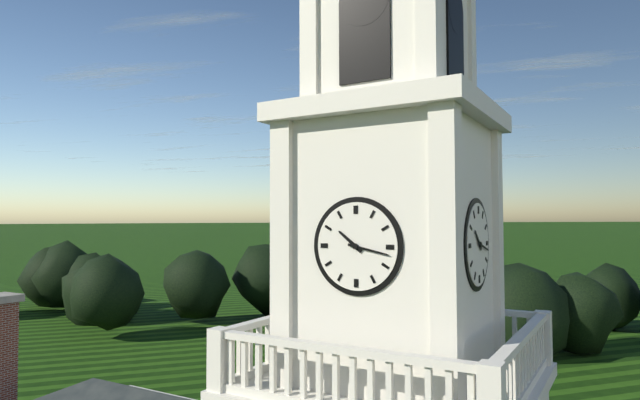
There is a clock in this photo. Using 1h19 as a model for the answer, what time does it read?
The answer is 10h17
